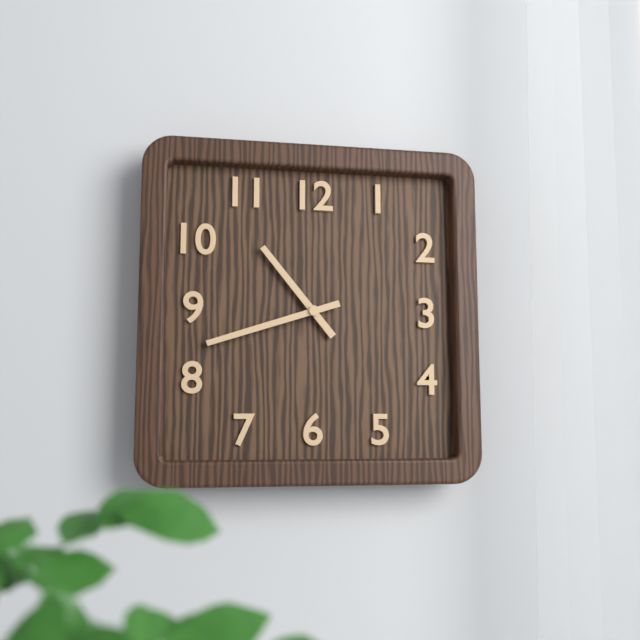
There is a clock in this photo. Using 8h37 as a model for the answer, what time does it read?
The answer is 10h42
